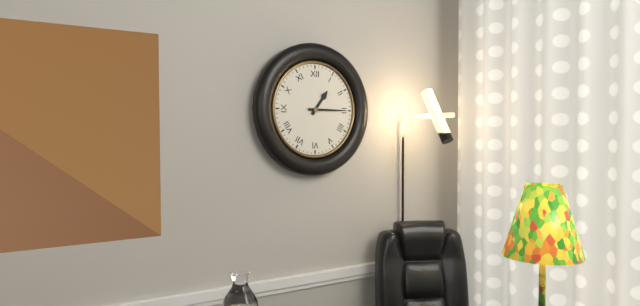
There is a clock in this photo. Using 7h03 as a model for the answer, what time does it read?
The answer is 1h15
